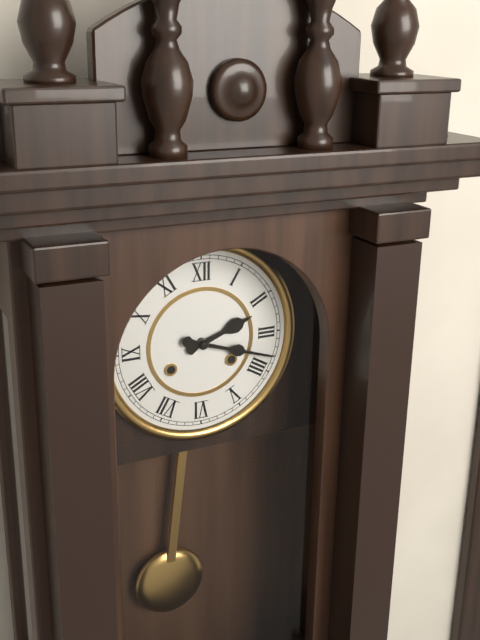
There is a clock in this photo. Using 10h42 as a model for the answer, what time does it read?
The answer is 2h18
